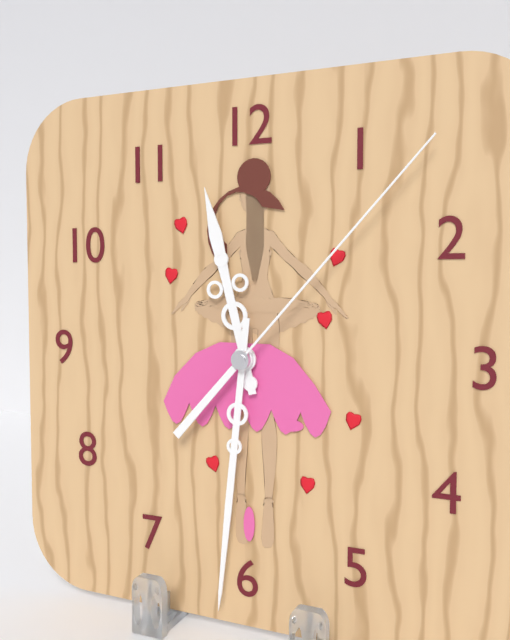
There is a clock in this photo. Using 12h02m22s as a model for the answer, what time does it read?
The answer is 11h31m07s
